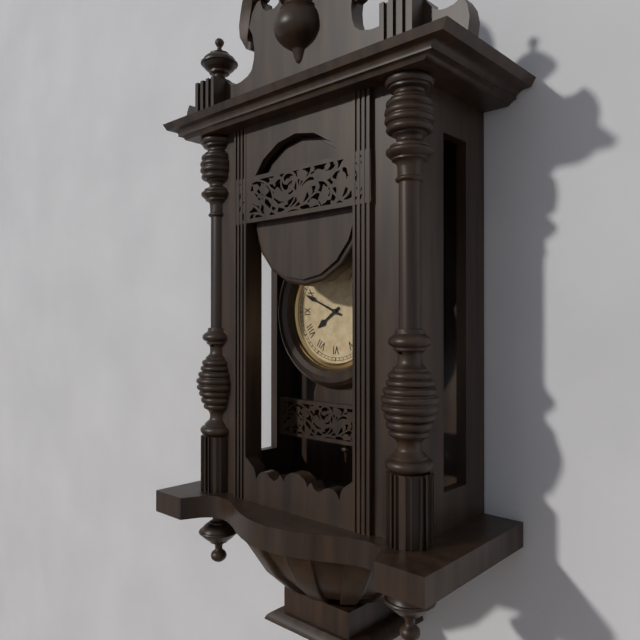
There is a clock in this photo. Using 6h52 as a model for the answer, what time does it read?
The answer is 7h49
